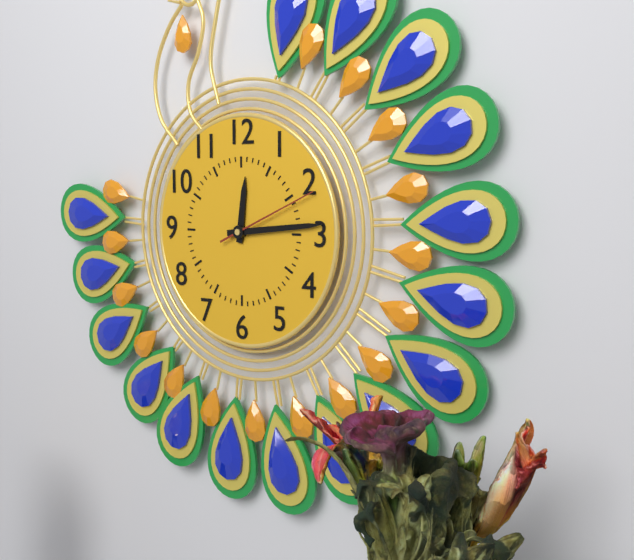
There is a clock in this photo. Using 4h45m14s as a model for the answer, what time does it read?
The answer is 12h14m11s
